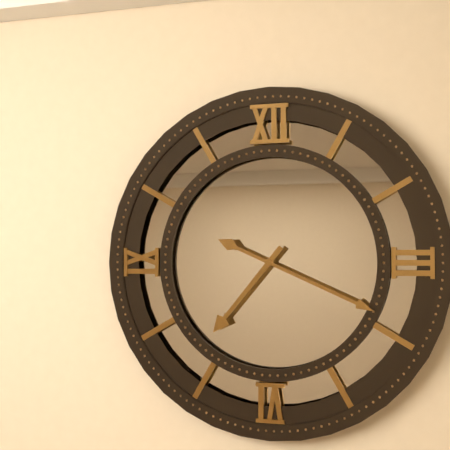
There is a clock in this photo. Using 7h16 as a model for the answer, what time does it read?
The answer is 7h19
